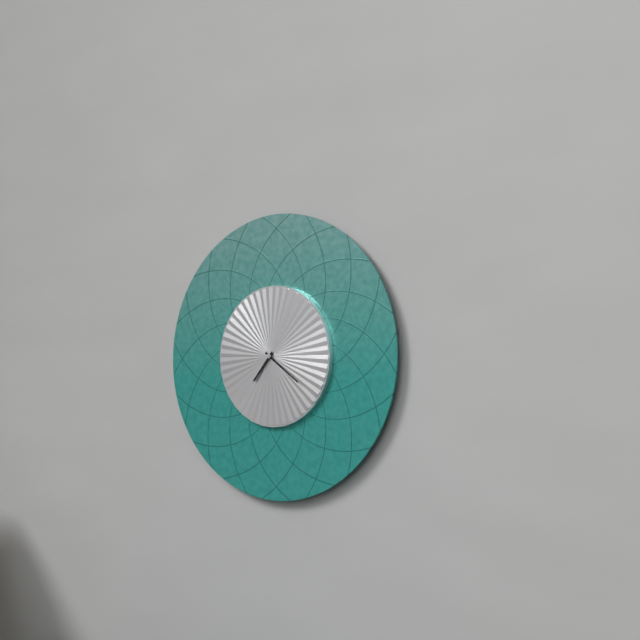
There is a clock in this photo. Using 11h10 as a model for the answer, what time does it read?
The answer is 7h21
